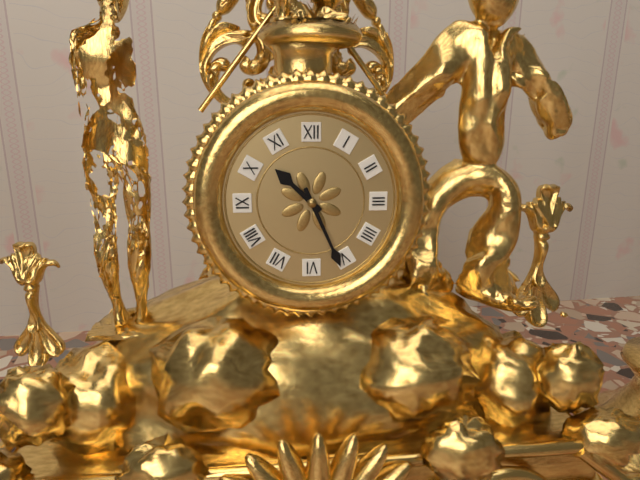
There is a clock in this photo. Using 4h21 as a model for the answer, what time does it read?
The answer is 10h26
